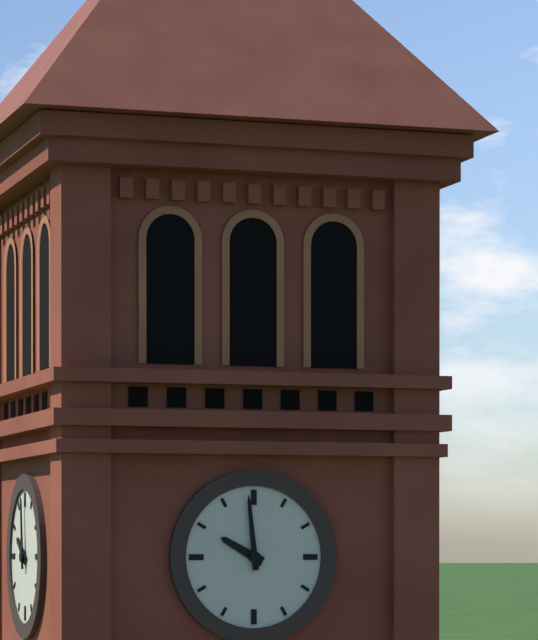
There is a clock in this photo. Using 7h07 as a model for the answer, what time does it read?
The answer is 9h59
